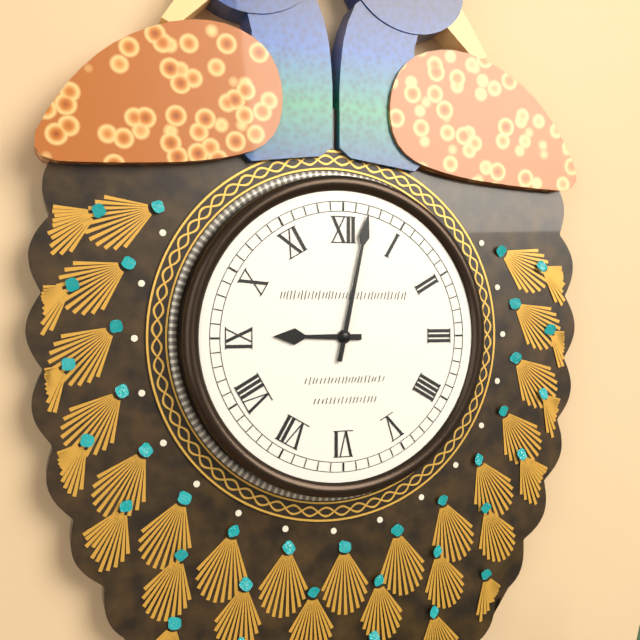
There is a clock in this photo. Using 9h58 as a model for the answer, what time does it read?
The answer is 9h02
